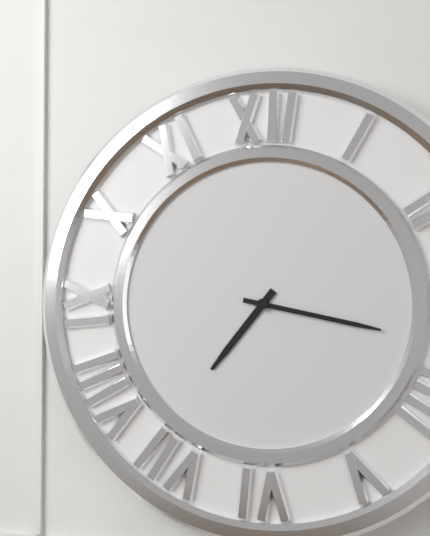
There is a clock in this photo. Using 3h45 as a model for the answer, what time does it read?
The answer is 7h17
